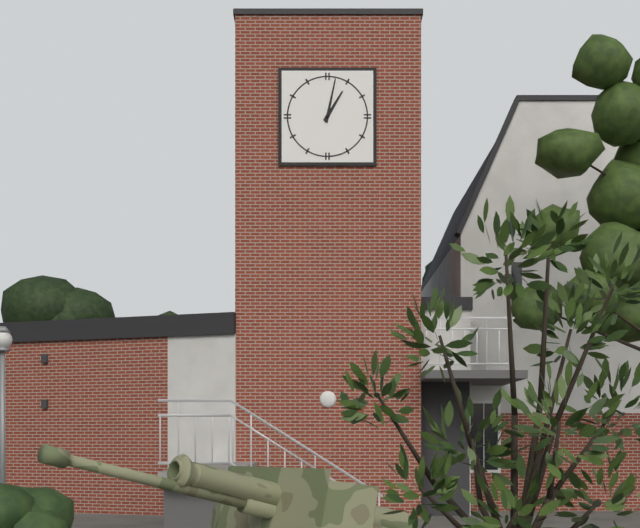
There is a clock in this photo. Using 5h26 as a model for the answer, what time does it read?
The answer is 1h02
